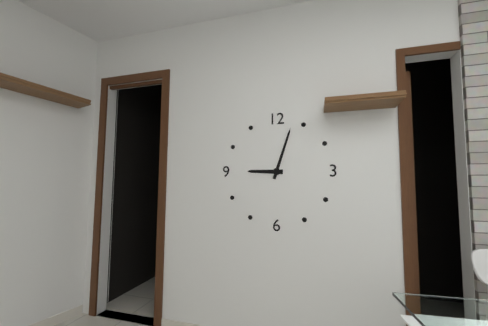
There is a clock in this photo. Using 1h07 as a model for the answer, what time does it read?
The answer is 9h03
